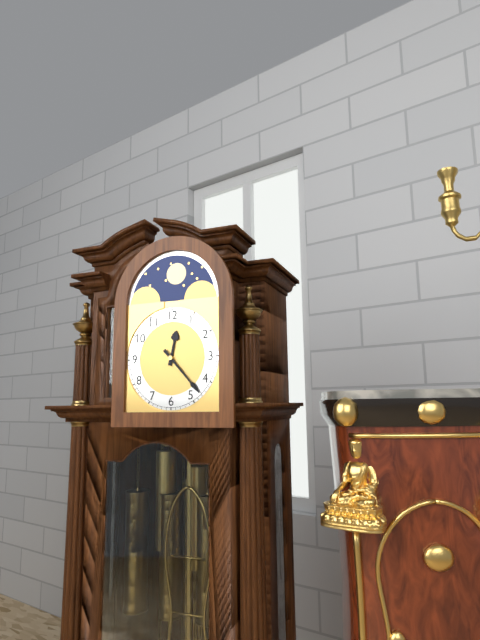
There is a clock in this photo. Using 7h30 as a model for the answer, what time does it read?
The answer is 12h23
